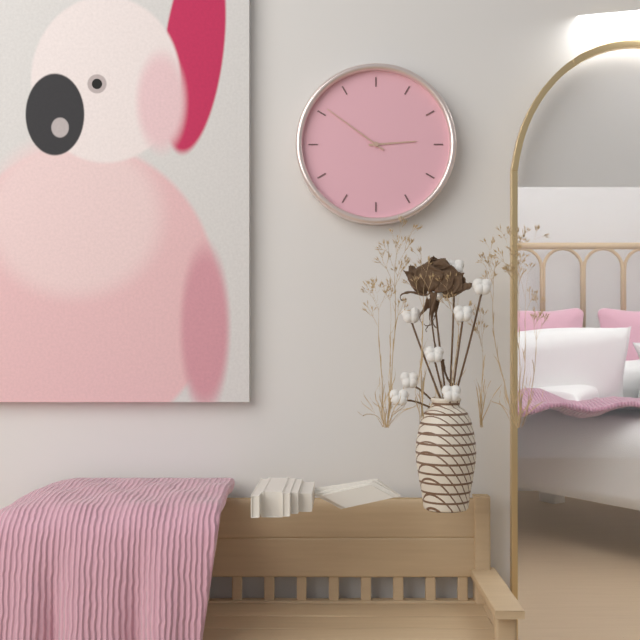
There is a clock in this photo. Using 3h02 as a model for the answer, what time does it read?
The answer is 2h51
